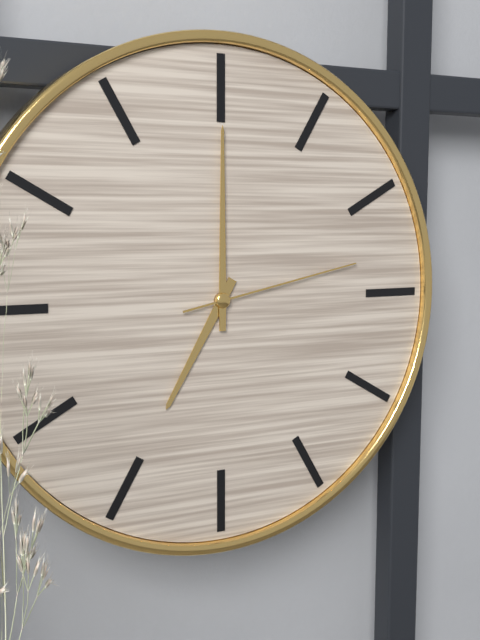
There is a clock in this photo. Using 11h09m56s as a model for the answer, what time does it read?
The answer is 7h00m13s
